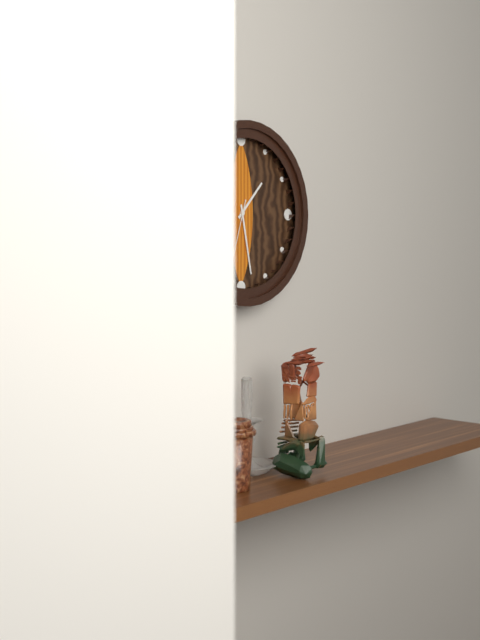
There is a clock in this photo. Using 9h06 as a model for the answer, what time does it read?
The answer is 1h28
